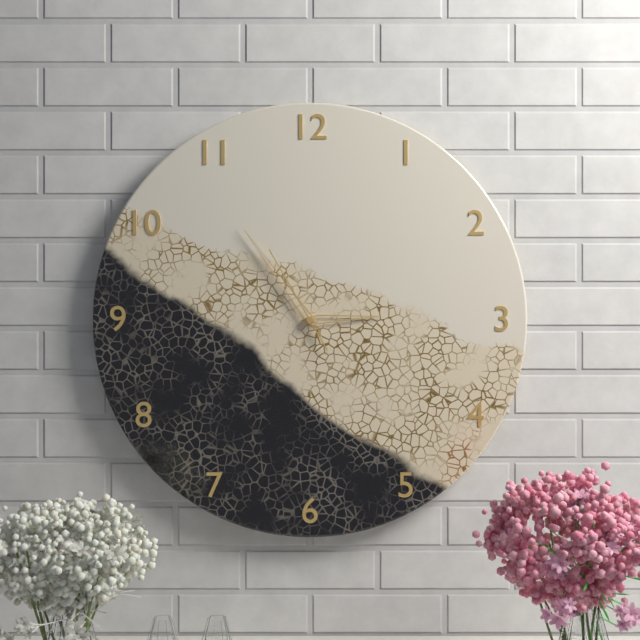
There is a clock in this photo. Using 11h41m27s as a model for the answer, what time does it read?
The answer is 2h54m55s
